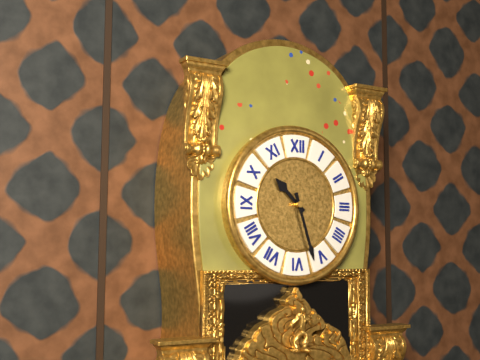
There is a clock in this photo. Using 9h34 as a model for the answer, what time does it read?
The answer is 10h27
